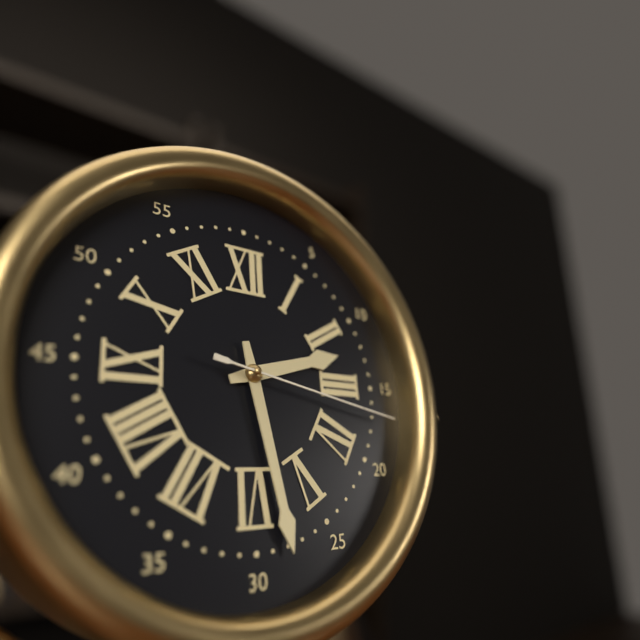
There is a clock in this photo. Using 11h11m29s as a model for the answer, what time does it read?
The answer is 2h28m17s
